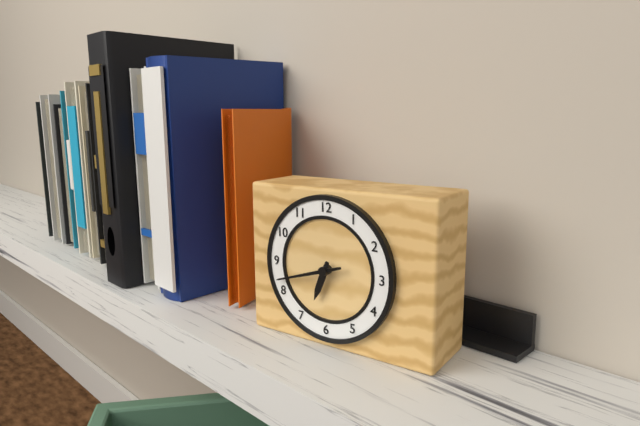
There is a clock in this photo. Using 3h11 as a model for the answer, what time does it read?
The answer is 6h42
